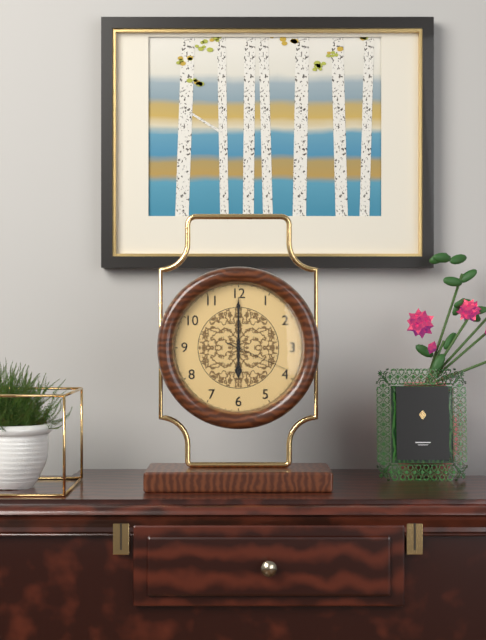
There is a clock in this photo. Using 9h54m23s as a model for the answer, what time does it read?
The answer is 6h00m19s
